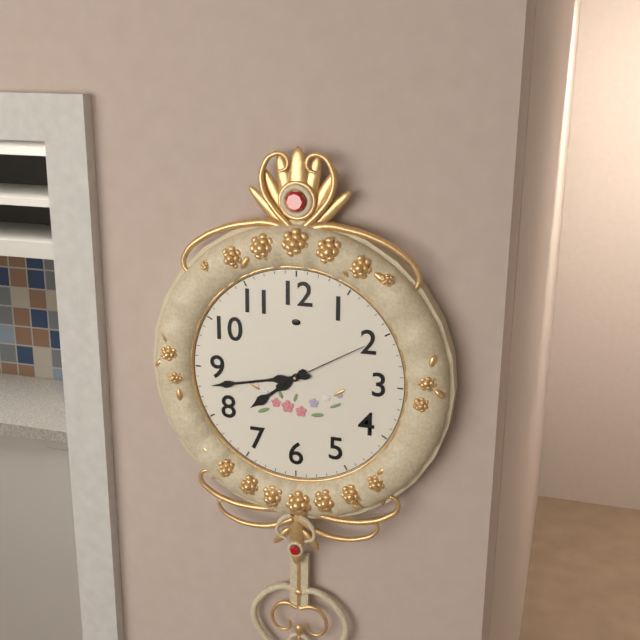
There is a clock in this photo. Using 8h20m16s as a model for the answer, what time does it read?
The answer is 7h43m10s
